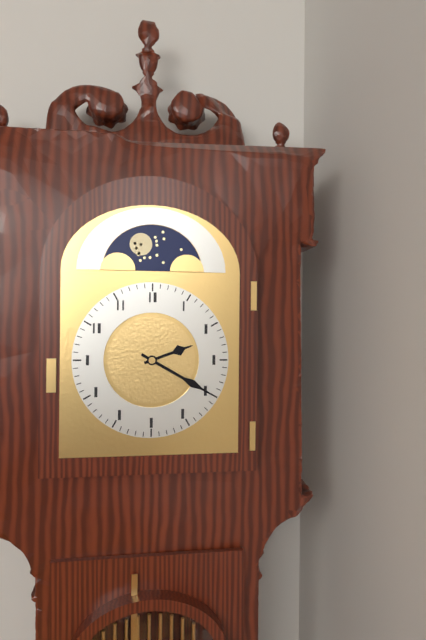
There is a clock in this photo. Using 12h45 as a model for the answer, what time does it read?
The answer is 2h20
